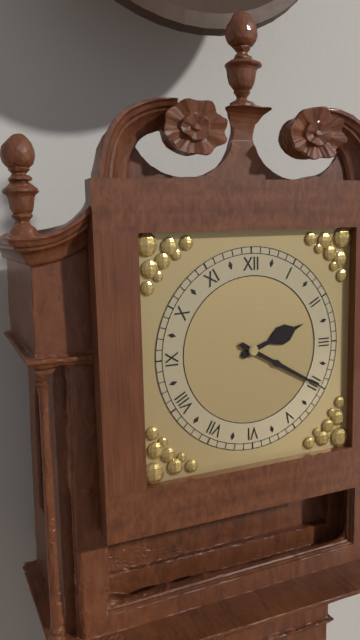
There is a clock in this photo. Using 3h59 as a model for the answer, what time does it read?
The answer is 2h20
